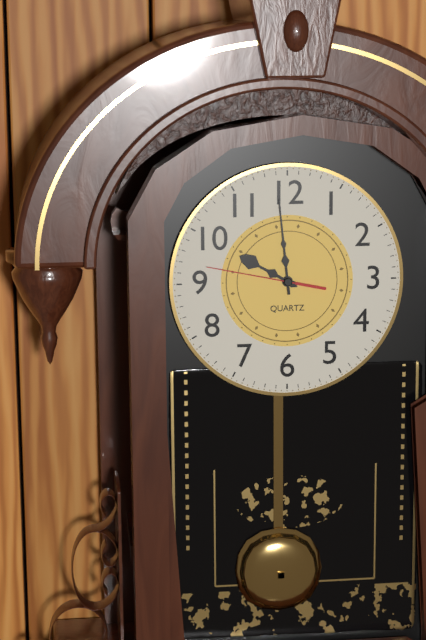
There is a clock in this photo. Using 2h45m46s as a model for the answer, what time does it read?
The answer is 9h59m47s
